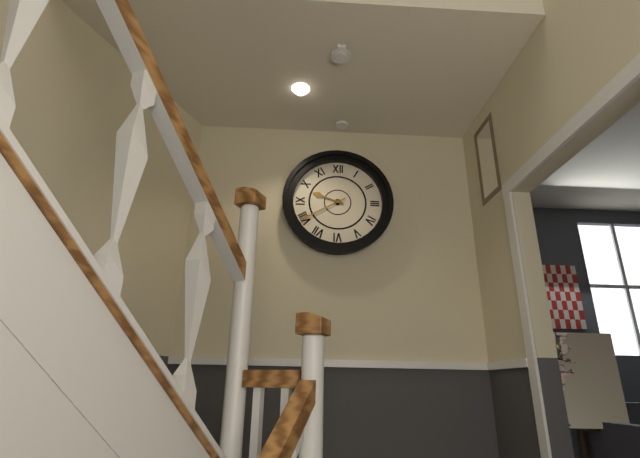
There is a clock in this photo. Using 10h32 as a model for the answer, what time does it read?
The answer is 9h40
